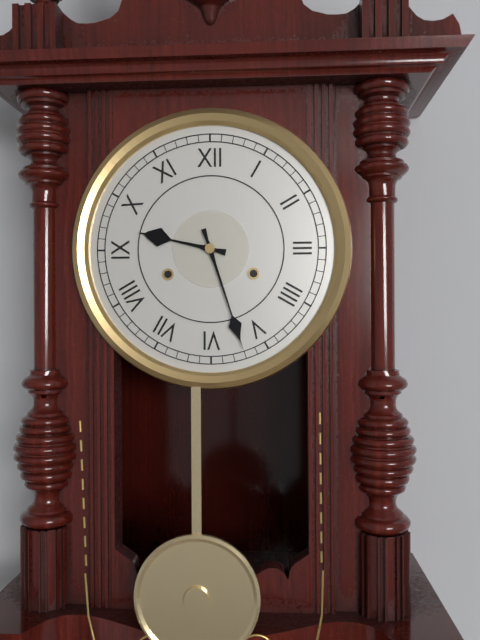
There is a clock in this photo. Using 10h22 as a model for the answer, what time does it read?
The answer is 9h27
